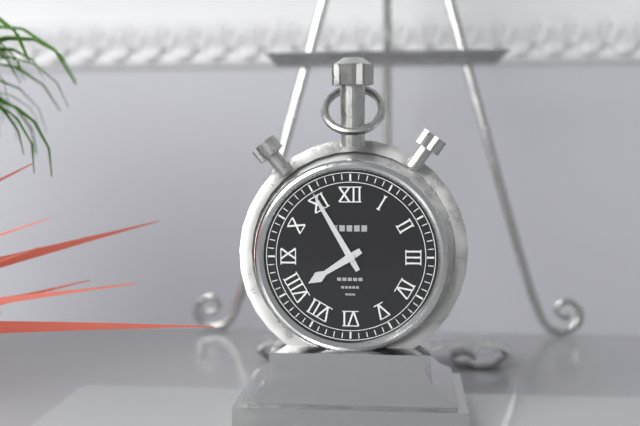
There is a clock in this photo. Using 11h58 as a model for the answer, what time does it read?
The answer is 7h55
